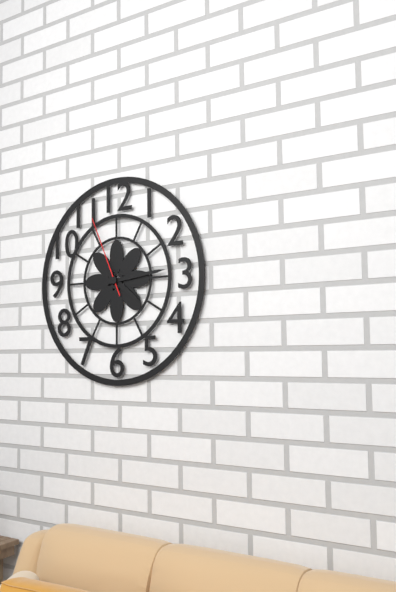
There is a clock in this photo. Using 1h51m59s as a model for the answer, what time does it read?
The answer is 4h14m56s
